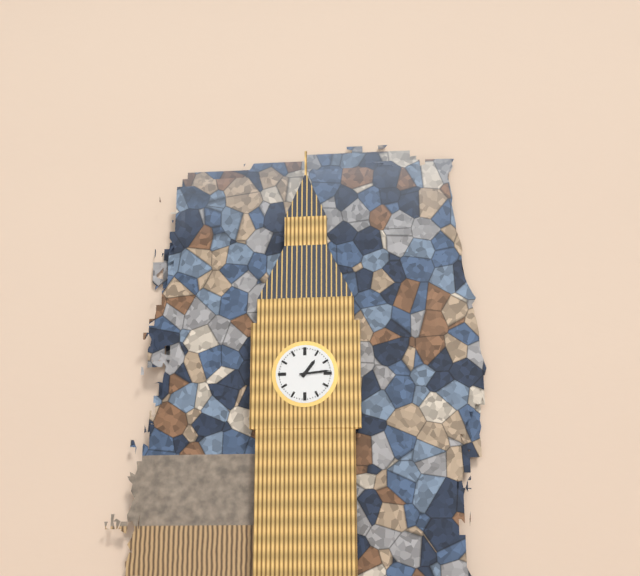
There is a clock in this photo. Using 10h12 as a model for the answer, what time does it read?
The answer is 1h14
